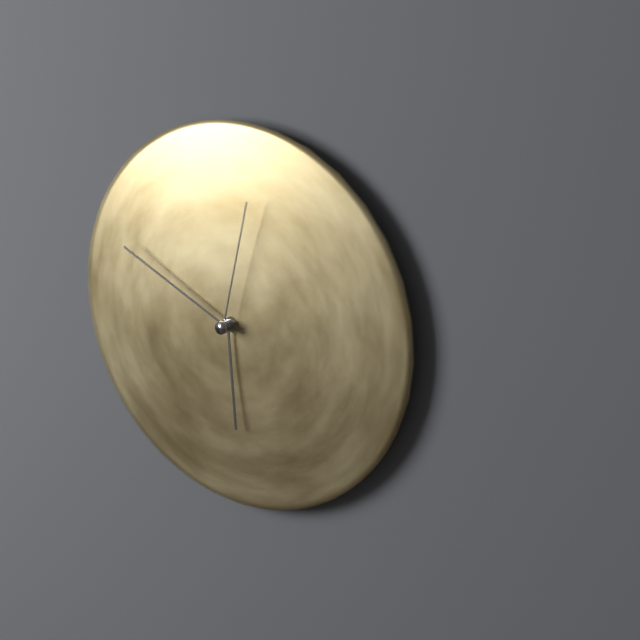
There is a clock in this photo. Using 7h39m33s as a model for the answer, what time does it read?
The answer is 5h49m02s
